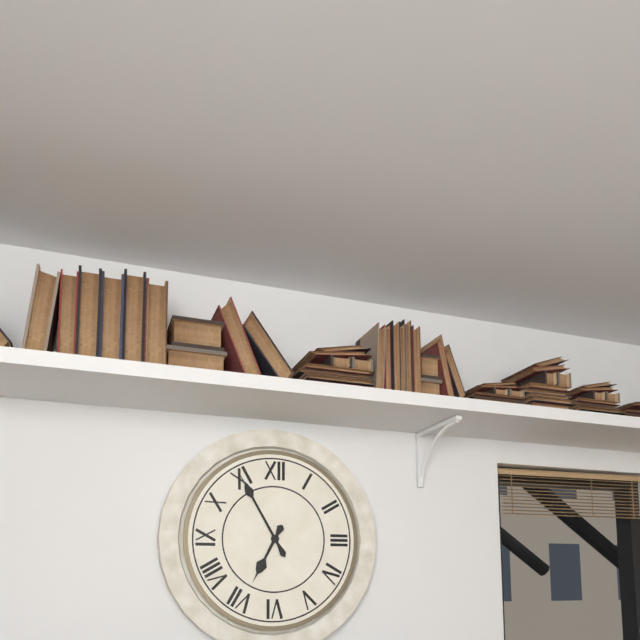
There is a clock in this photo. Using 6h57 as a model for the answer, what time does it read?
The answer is 6h55
